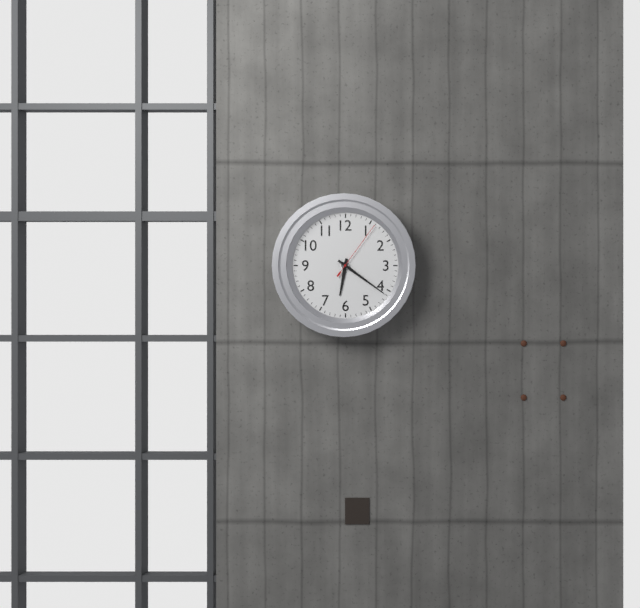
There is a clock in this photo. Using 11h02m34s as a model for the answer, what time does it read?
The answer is 6h21m06s
